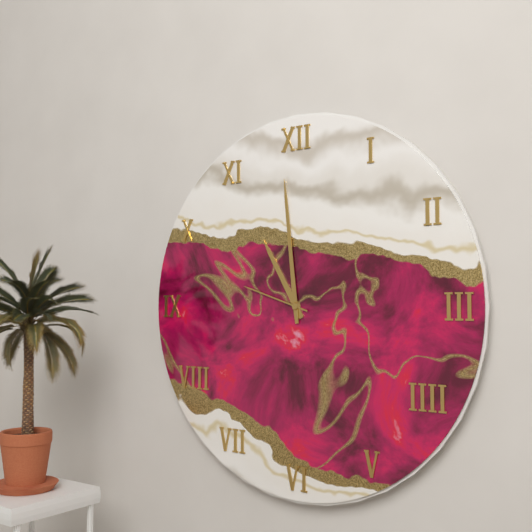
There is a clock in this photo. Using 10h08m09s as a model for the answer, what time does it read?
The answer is 10h59m48s
